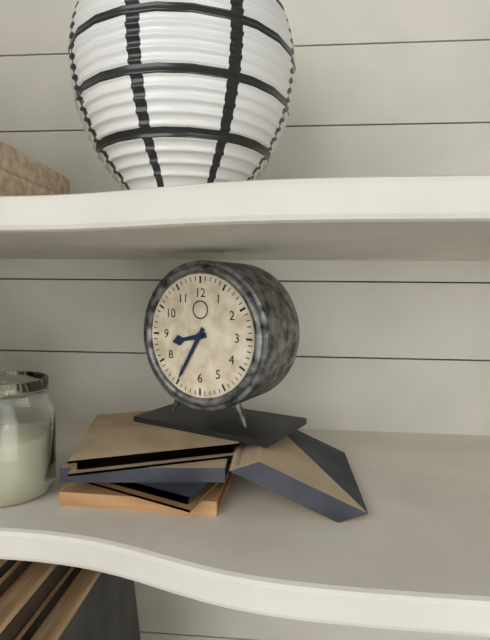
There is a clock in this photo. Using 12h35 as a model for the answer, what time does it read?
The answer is 8h35
